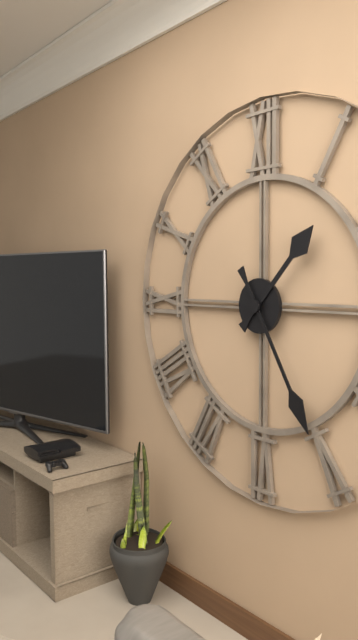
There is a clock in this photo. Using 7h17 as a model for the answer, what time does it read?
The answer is 1h25
